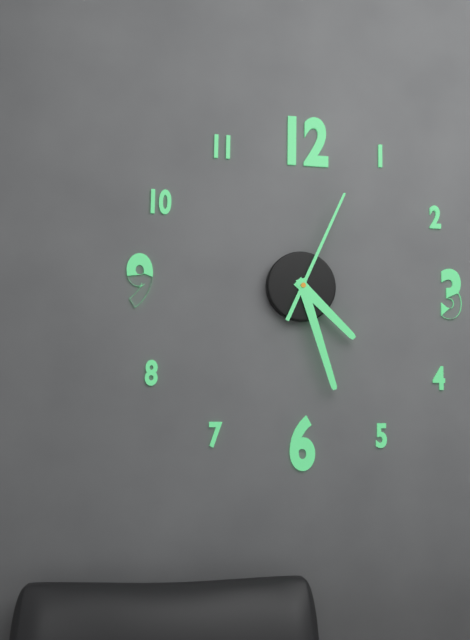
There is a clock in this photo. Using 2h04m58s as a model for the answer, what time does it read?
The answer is 4h27m04s
